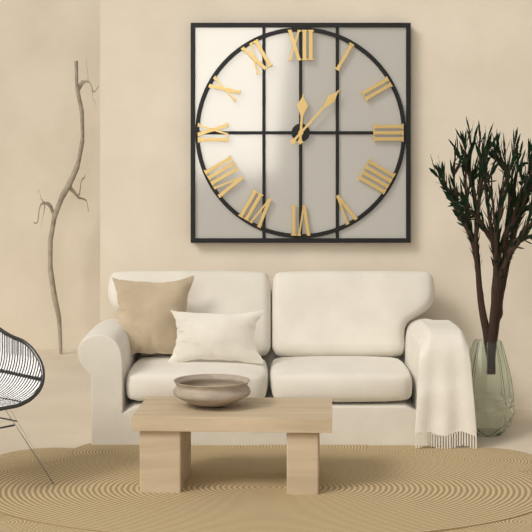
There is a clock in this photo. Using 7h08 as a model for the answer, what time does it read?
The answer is 12h07
